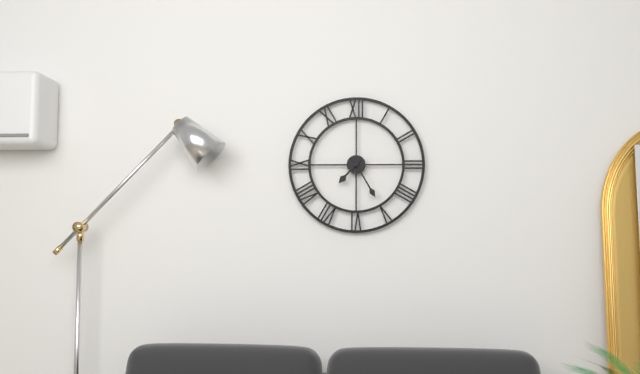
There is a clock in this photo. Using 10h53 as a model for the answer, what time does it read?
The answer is 7h25
